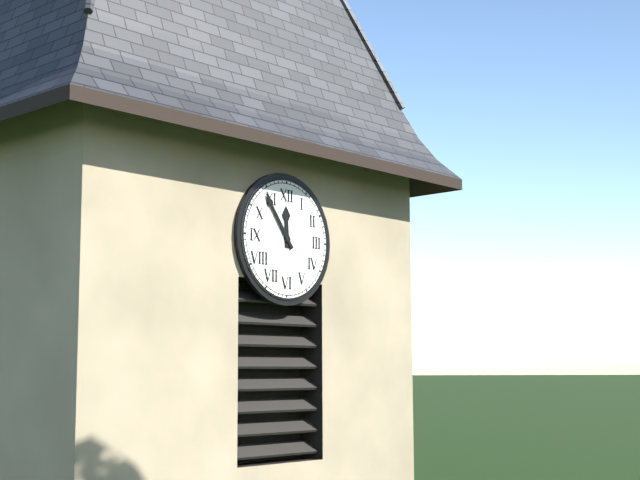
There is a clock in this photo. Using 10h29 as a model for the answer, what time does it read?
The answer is 11h54
